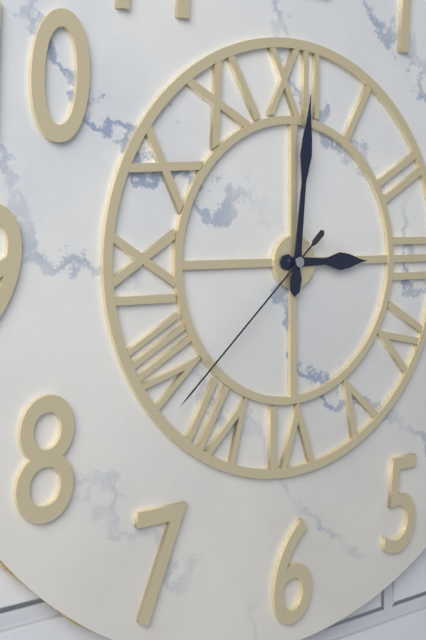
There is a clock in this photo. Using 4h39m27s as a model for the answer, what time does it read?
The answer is 3h01m38s
